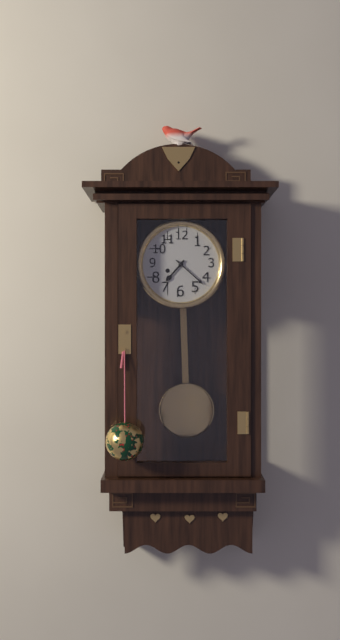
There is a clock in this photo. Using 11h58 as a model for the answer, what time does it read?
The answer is 7h22
